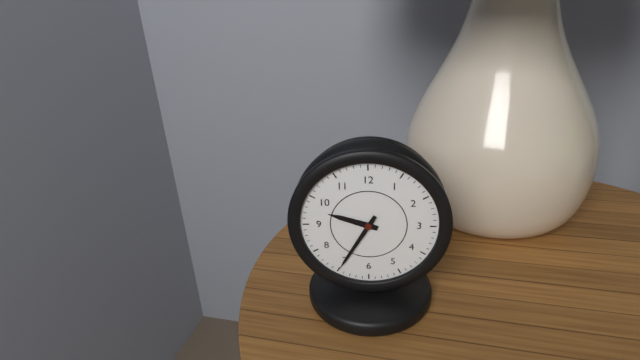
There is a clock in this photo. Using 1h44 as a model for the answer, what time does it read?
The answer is 9h35
